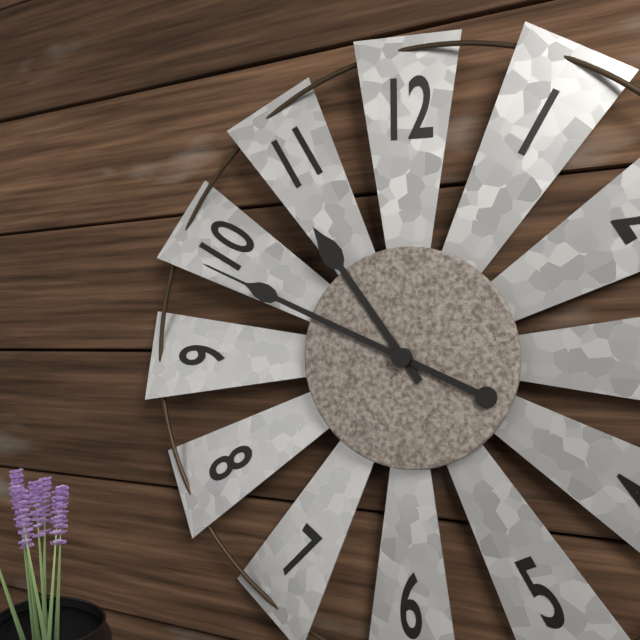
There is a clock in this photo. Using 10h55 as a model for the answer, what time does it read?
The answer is 10h49
